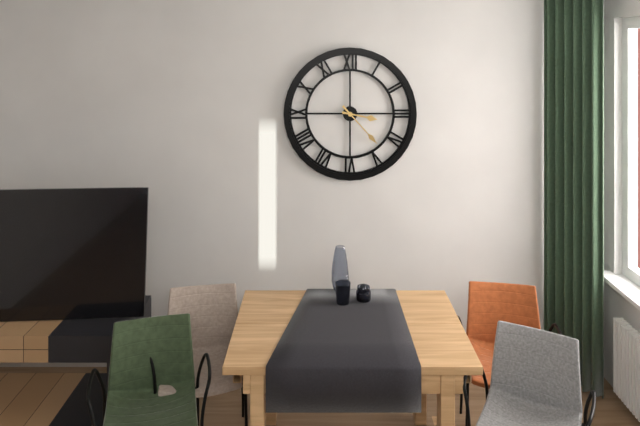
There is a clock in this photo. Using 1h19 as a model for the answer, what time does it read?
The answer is 3h23
